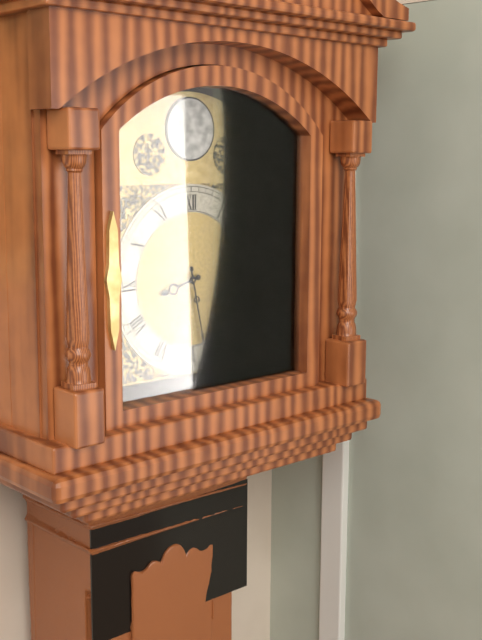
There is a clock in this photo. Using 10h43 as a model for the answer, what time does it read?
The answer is 8h28
